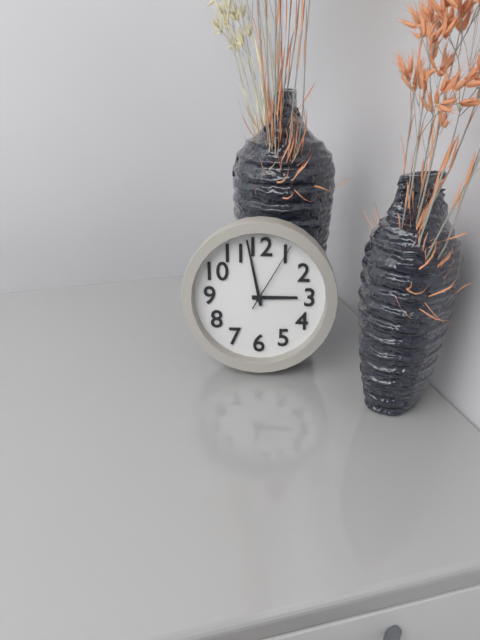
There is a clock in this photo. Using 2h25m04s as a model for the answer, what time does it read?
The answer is 2h58m05s
